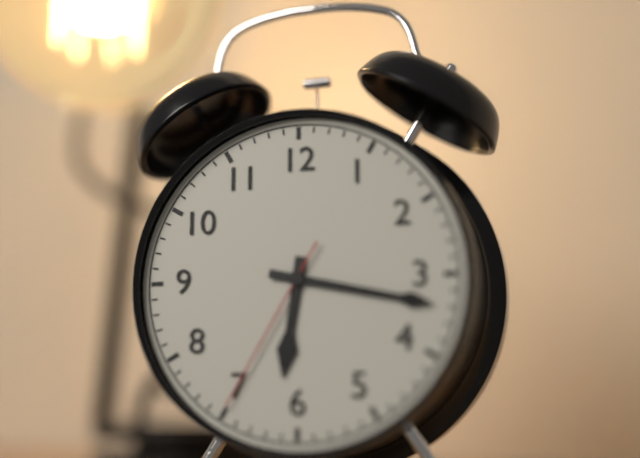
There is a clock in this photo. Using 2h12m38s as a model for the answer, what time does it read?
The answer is 6h17m35s
